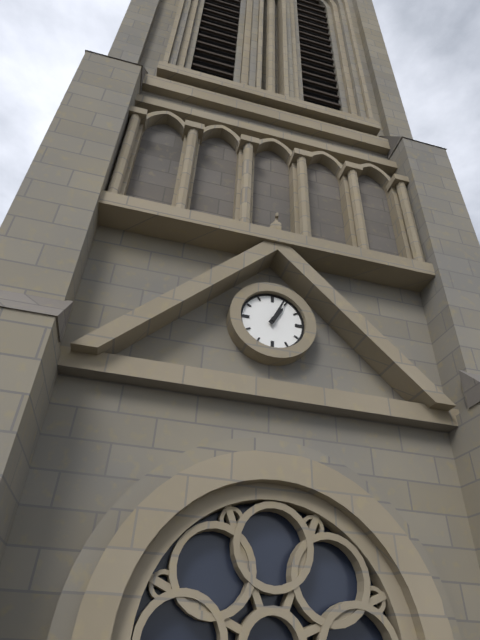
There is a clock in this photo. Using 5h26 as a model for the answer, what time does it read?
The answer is 1h04
